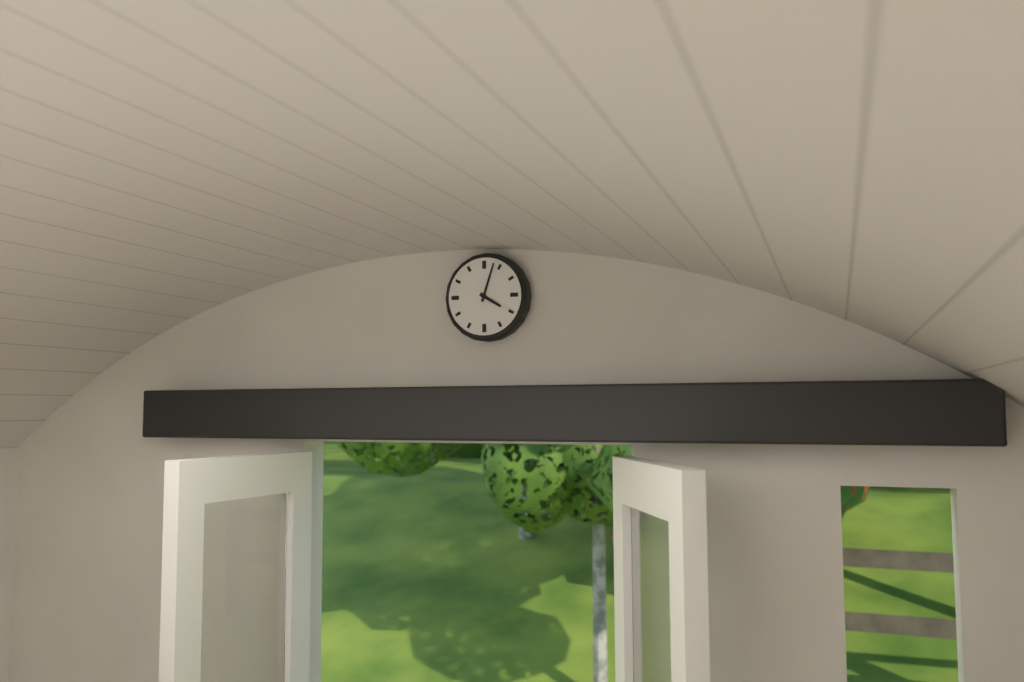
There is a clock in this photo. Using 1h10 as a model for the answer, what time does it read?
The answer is 4h03
